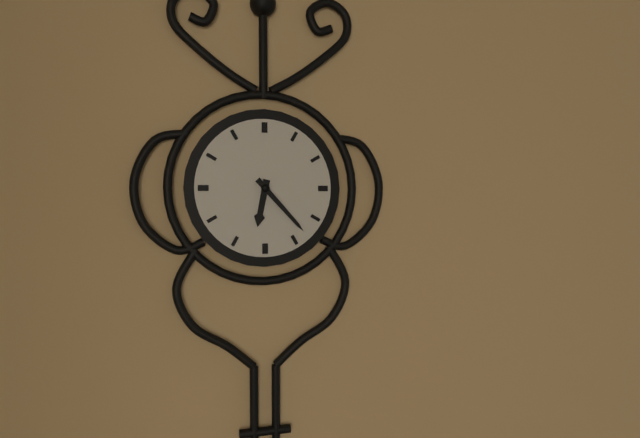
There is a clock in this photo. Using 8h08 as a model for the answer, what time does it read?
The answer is 6h23
